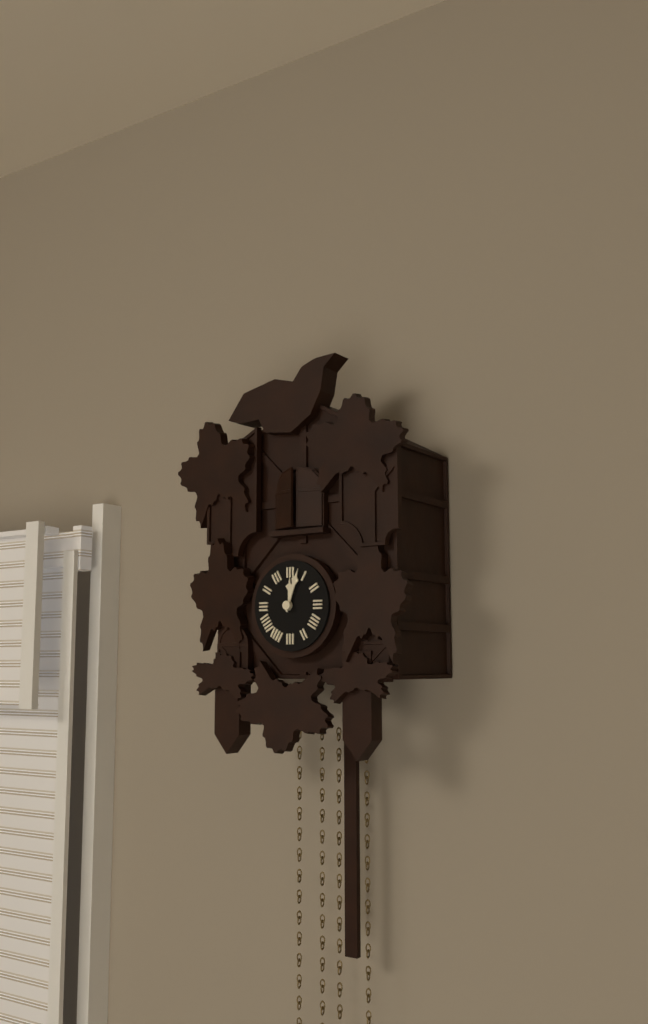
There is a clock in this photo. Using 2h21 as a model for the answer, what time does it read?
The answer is 12h03
